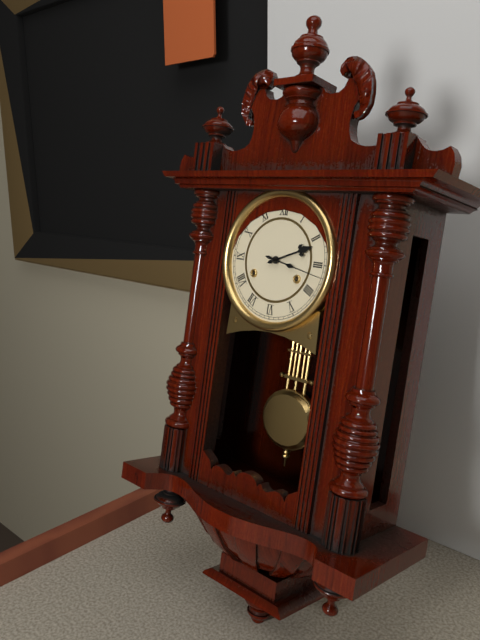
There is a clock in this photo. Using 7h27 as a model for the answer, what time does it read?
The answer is 2h17
